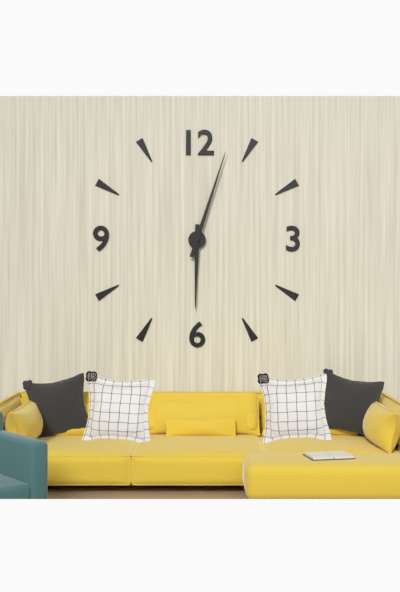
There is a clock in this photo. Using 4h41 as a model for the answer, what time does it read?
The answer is 6h03
